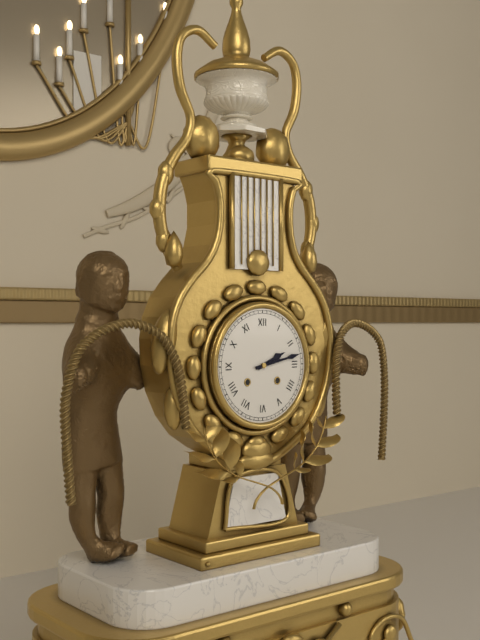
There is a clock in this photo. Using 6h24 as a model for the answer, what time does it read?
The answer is 2h13
